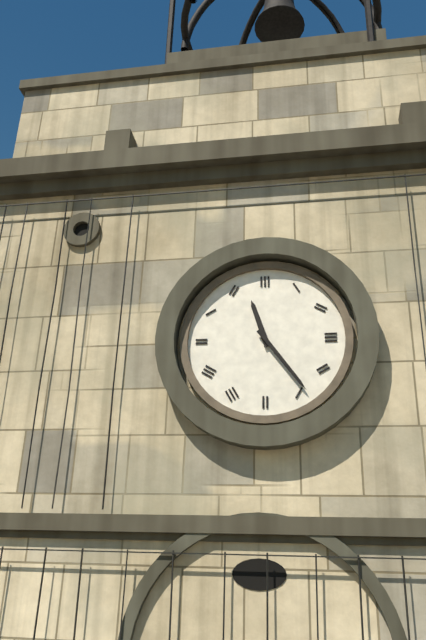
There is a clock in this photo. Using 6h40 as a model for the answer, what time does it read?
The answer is 11h24
